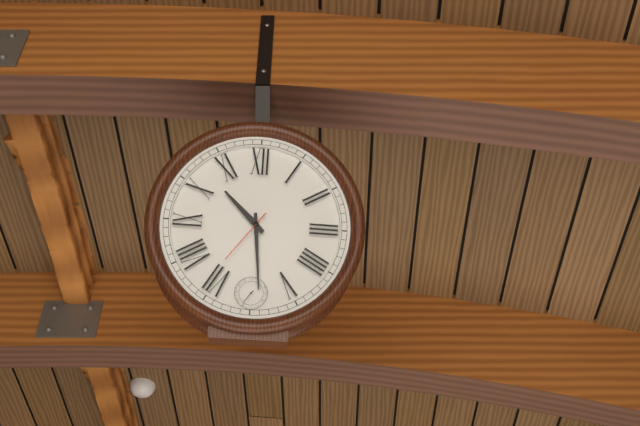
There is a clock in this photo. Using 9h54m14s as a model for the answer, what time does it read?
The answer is 10h29m36s
